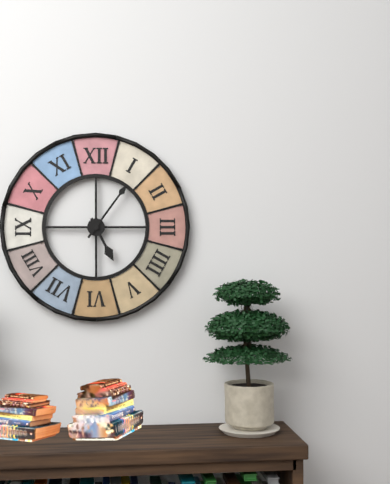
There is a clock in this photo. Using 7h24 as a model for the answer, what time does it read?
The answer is 5h06
